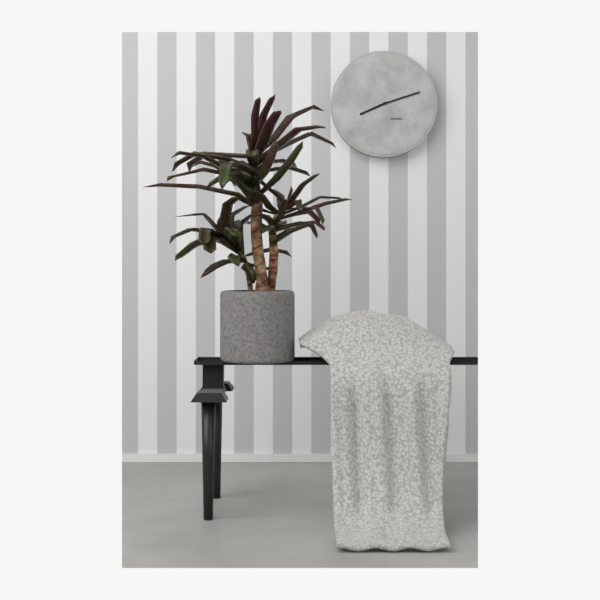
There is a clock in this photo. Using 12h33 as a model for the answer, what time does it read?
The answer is 8h12
